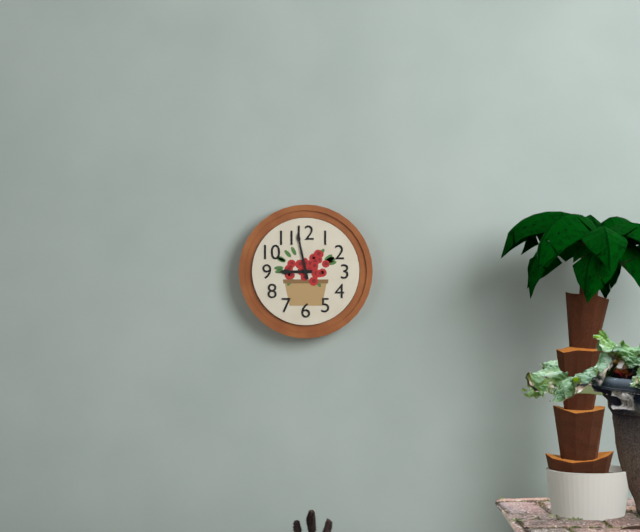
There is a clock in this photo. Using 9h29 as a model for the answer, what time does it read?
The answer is 8h58
